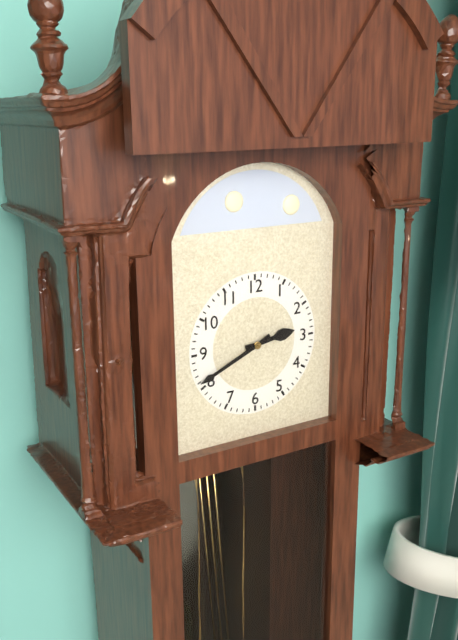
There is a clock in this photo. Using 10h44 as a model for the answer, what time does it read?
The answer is 2h41
